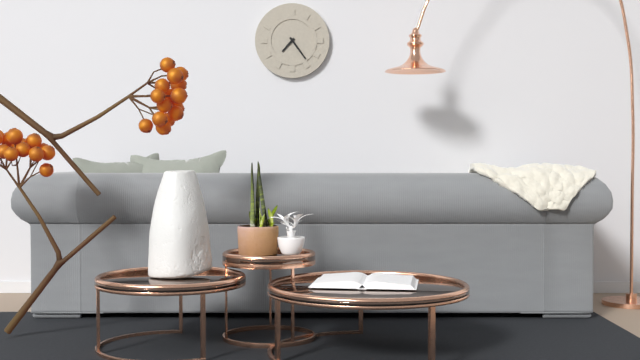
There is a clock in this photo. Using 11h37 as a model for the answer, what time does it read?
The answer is 7h24
